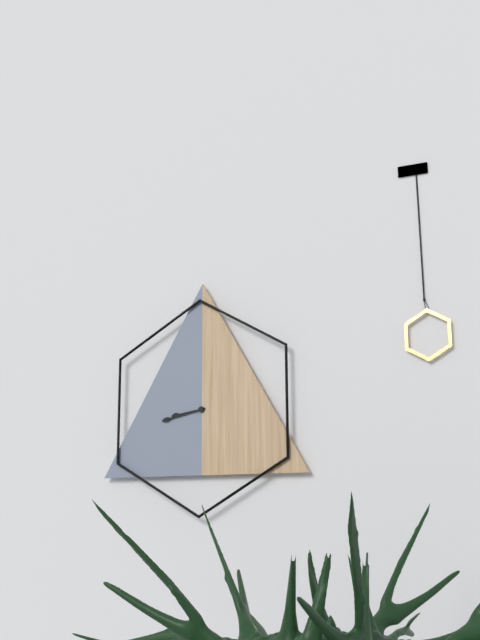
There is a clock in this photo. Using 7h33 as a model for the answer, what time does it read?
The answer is 8h43
